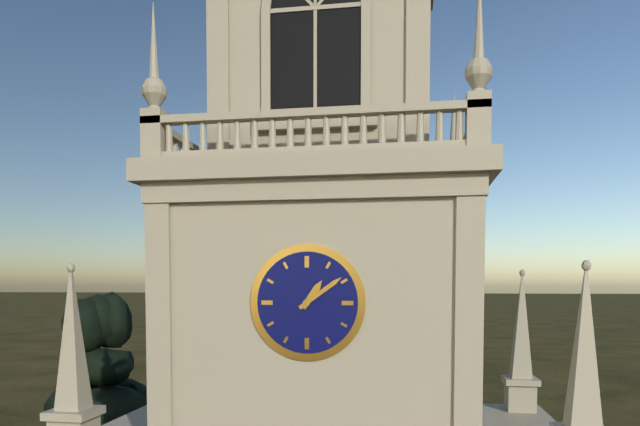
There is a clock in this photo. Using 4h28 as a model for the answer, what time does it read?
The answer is 1h09
